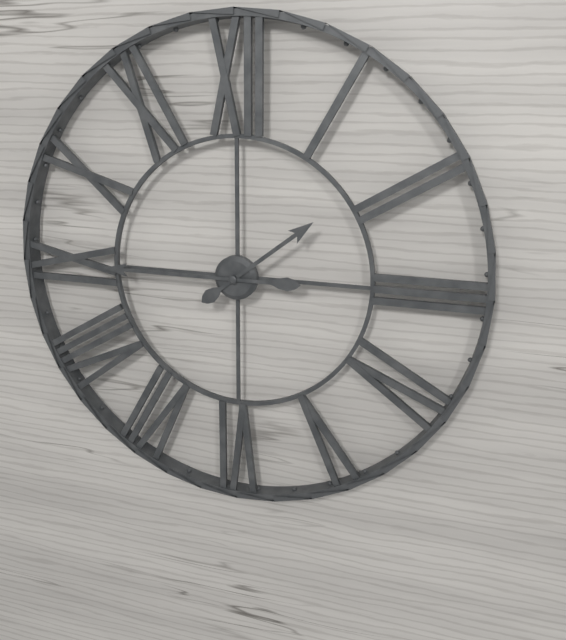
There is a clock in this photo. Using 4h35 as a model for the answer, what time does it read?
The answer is 1h45
